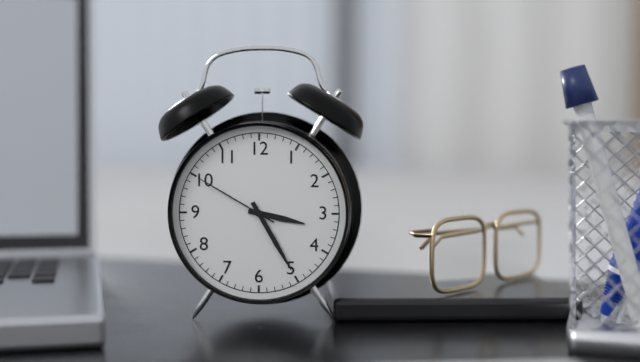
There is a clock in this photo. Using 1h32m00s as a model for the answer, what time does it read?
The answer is 3h25m50s
